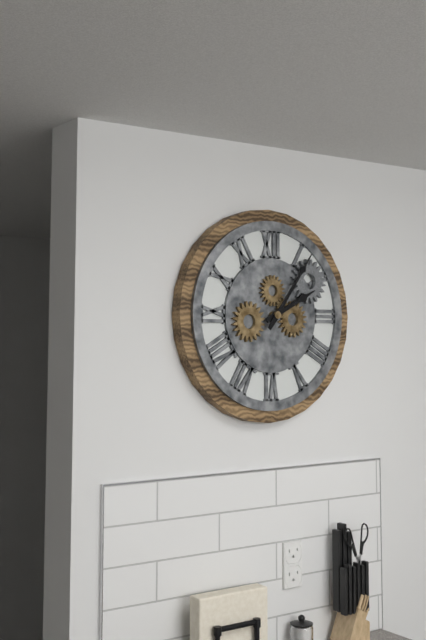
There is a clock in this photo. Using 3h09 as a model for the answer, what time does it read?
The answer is 2h06
